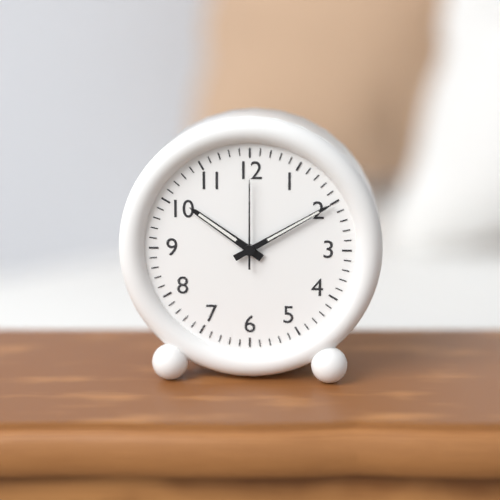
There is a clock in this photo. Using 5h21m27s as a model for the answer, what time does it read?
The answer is 10h10m00s
